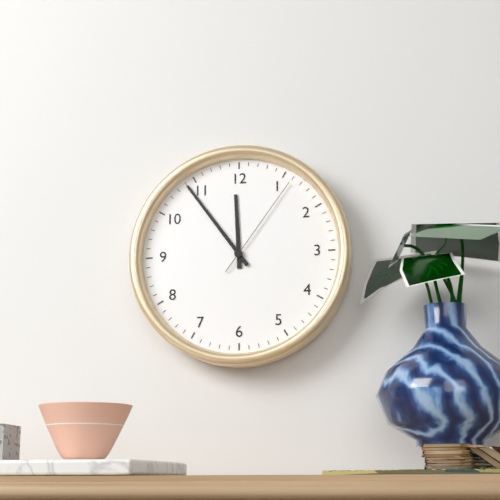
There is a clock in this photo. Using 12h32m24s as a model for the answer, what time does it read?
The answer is 11h54m06s
